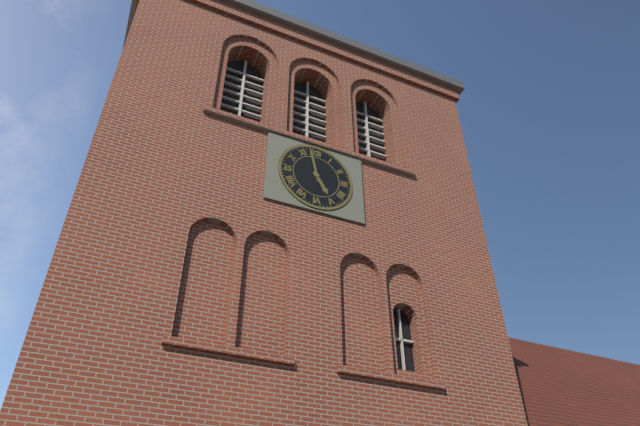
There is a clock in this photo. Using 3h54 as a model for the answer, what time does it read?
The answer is 4h58
